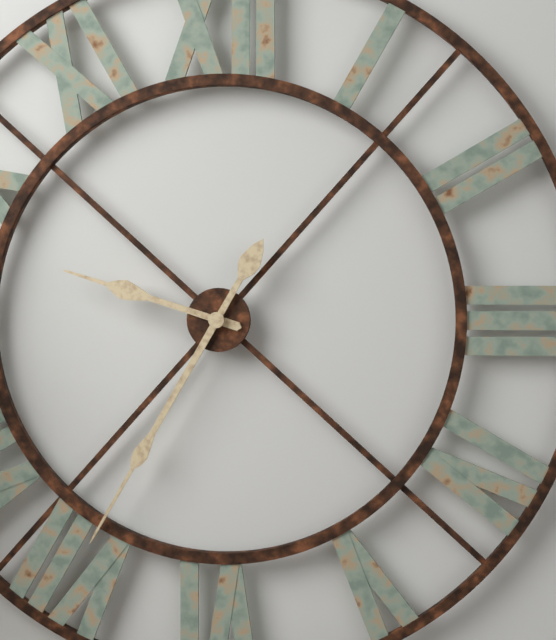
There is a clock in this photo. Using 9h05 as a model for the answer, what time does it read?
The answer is 9h35
